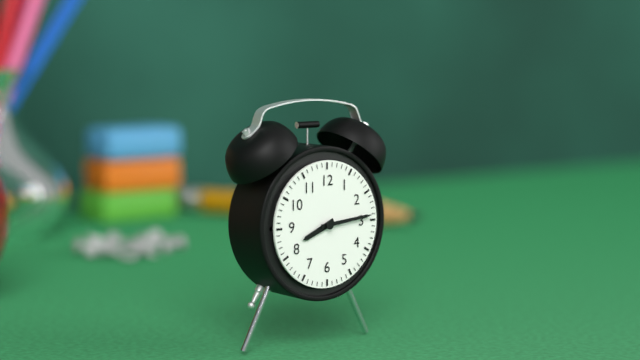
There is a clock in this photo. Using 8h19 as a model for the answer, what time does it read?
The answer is 8h14
